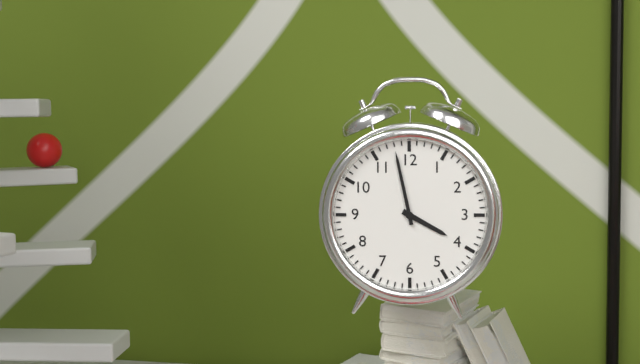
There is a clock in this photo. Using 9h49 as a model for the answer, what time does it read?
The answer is 3h58
